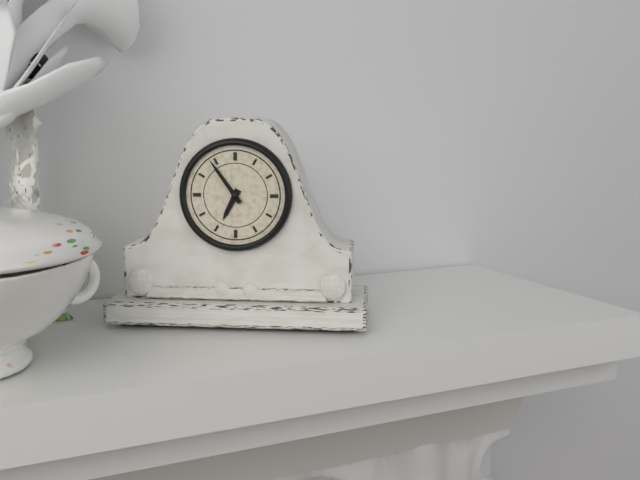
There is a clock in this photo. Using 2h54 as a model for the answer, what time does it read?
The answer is 6h54
